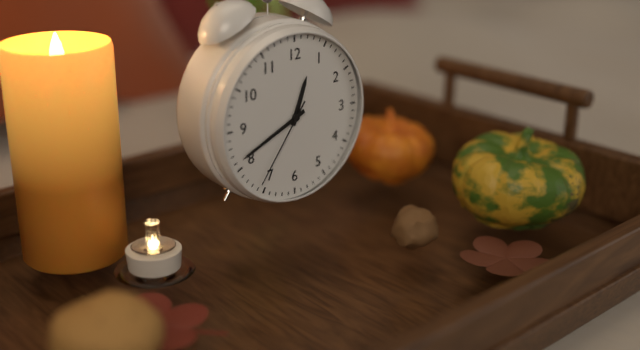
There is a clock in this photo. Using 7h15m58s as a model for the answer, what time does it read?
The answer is 12h41m36s
